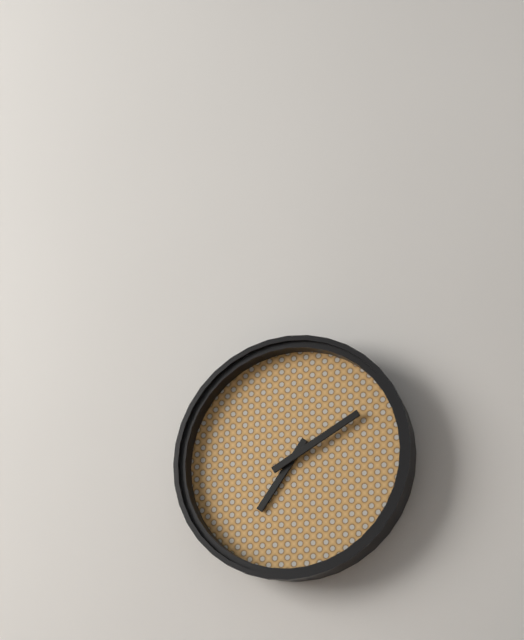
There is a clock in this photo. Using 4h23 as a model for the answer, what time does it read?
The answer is 7h10
